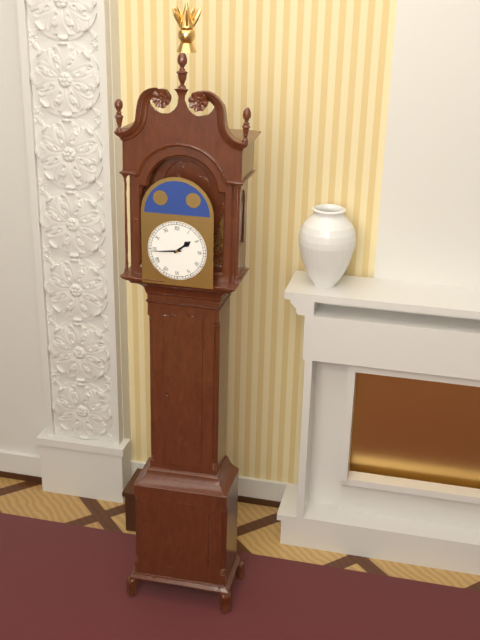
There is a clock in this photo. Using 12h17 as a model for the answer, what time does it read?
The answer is 1h44
